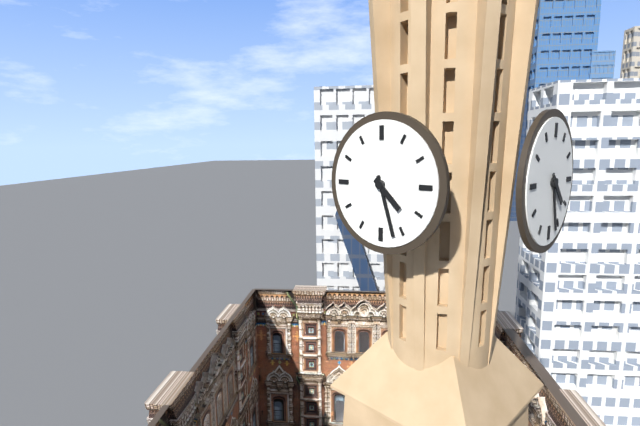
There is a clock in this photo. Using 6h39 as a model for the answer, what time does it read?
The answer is 4h27
